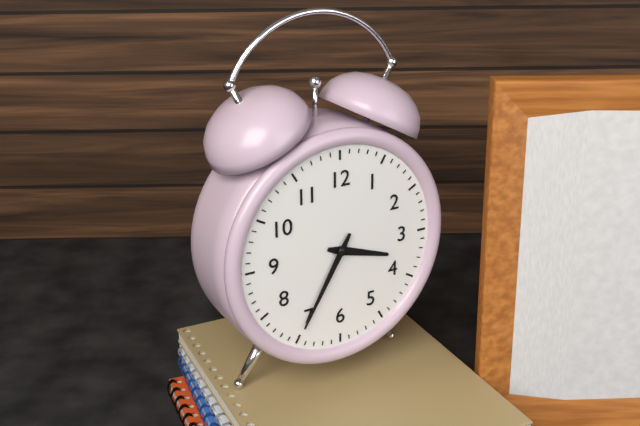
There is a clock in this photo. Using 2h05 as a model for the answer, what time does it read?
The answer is 3h35
